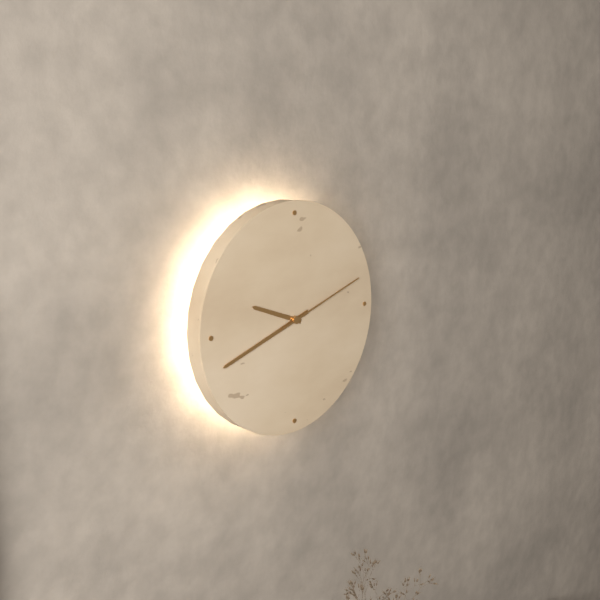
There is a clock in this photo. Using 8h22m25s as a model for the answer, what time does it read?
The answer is 9h42m12s
